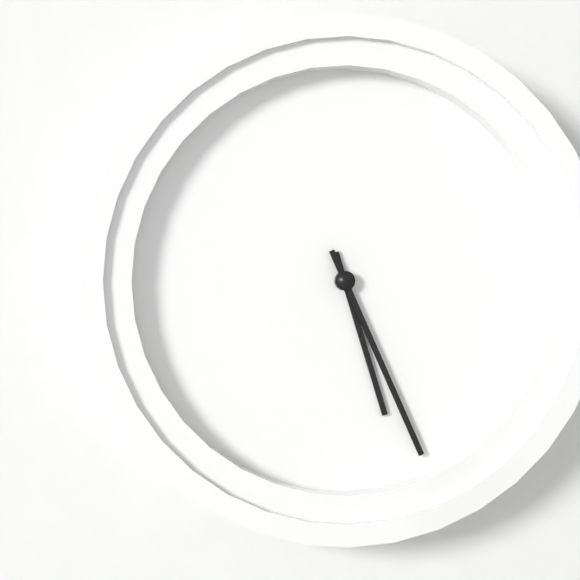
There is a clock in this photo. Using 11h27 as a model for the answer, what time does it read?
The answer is 5h26
